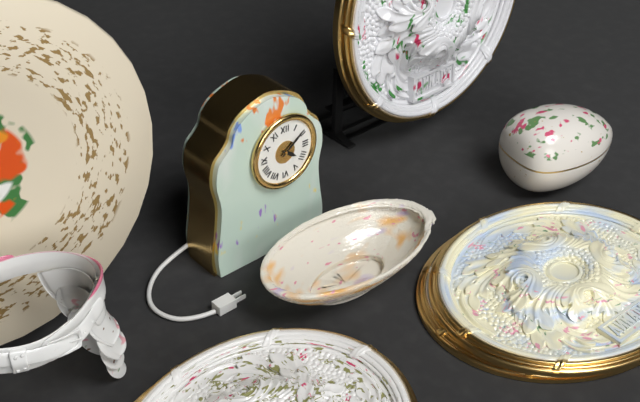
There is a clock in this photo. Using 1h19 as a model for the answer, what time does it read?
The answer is 4h09
